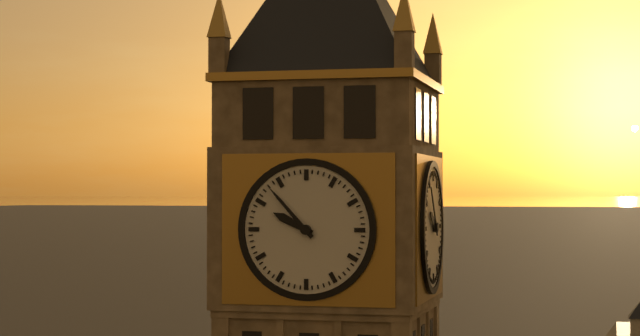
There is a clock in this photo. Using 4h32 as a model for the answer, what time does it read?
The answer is 9h53
